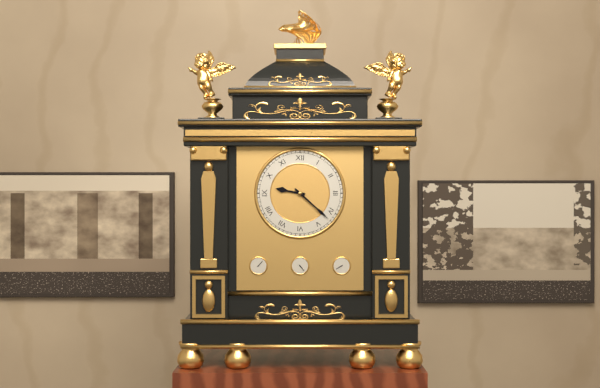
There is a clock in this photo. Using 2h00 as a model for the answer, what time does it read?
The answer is 9h22
